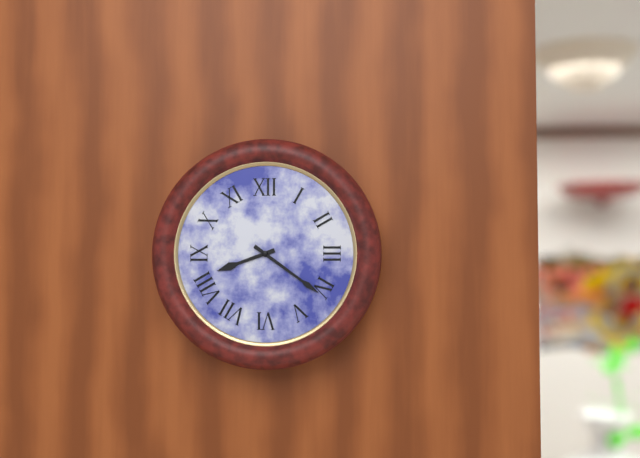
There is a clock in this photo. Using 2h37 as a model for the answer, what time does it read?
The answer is 8h21
